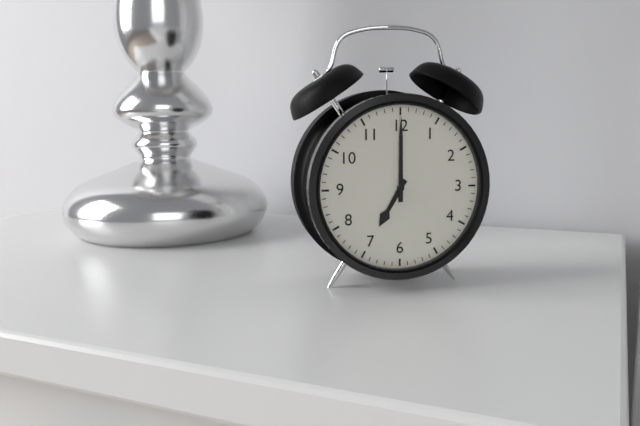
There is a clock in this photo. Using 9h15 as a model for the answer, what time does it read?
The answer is 7h00
